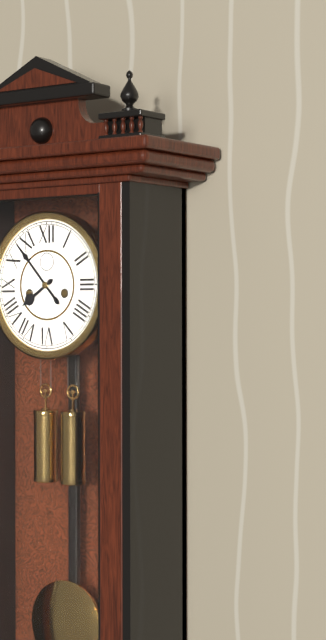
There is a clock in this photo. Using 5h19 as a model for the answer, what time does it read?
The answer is 7h53
